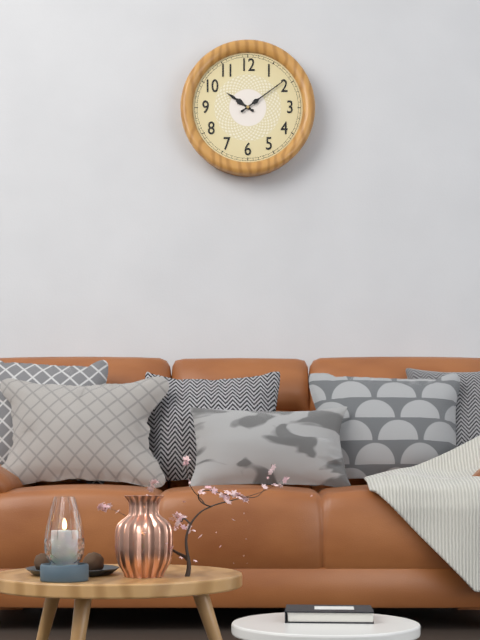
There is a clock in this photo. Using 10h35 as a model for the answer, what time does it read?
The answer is 10h09
